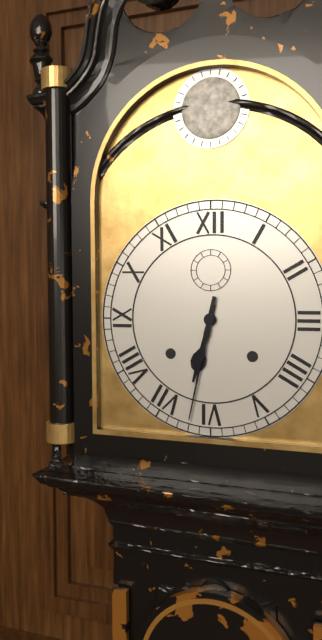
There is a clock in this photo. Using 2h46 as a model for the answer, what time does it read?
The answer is 6h32
